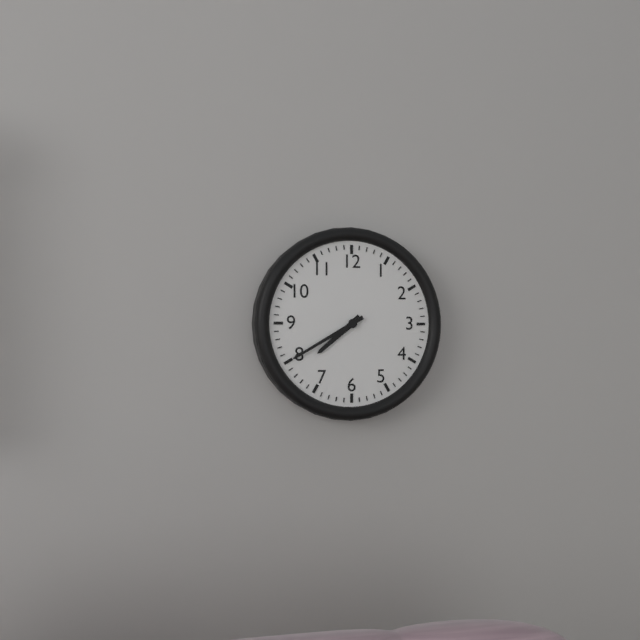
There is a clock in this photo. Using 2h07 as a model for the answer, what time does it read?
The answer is 7h40
